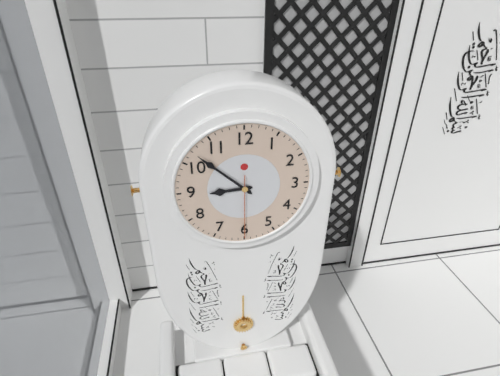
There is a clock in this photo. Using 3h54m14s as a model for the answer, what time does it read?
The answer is 8h52m30s
